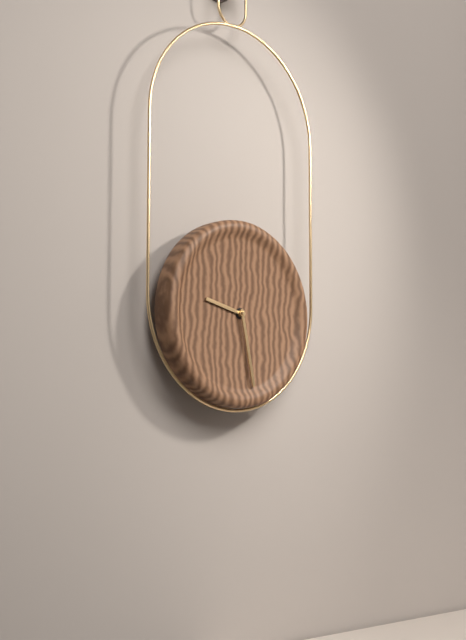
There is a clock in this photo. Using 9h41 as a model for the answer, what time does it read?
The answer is 9h28
